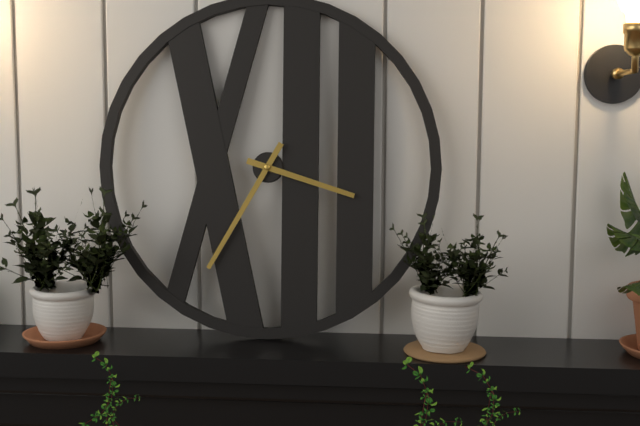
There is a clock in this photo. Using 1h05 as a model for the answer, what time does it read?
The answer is 3h35
